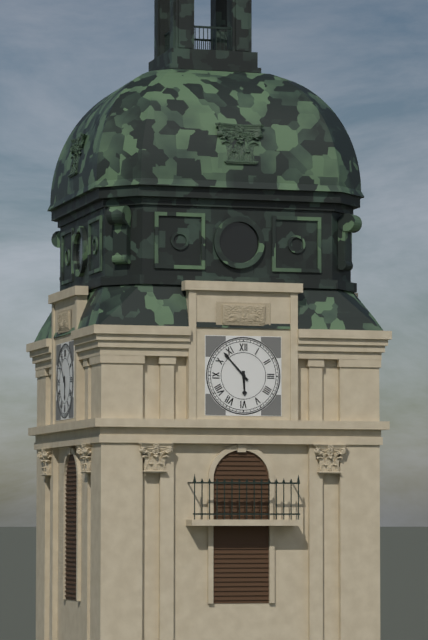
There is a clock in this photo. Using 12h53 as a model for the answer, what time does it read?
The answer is 5h53
